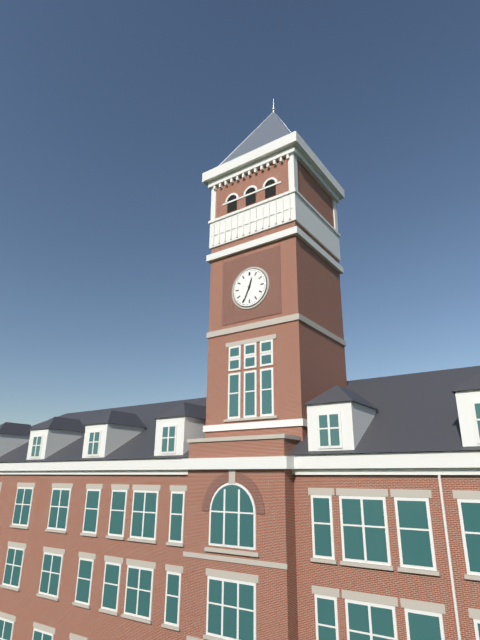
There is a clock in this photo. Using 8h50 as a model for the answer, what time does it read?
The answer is 12h34
